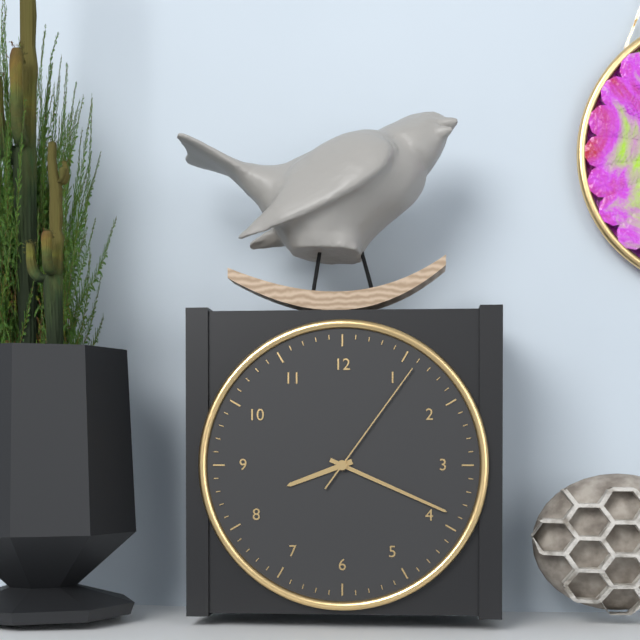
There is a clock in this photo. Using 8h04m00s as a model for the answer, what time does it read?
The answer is 8h19m06s
